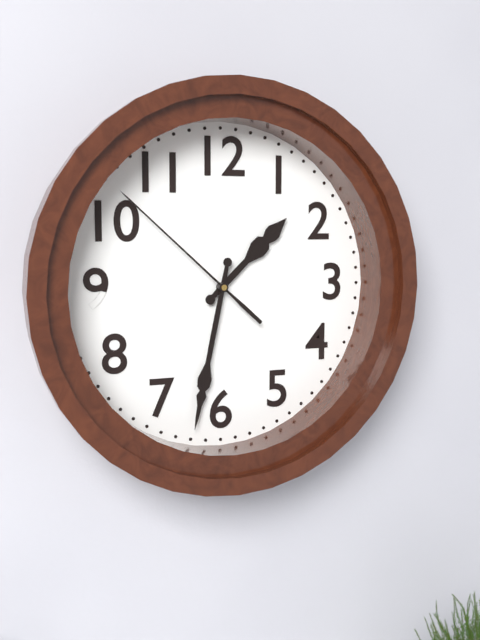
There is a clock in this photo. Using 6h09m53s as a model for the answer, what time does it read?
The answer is 1h32m52s
